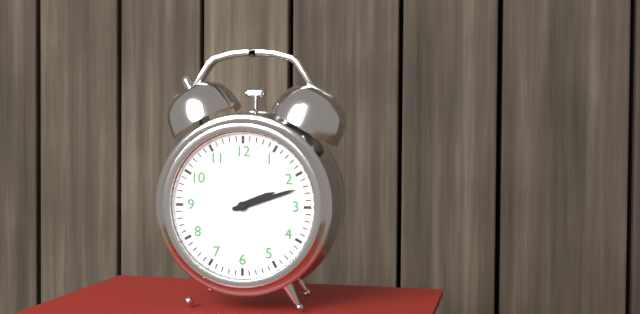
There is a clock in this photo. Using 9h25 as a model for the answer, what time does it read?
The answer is 2h12
